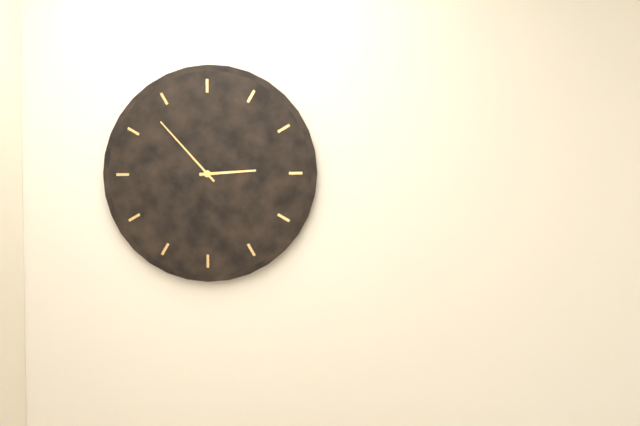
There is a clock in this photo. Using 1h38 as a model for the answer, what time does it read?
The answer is 2h53
